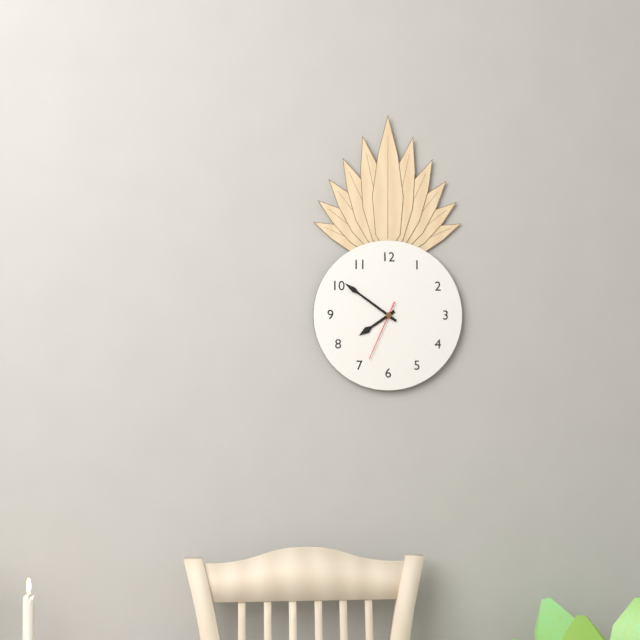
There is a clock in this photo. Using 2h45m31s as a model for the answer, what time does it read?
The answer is 7h51m34s
